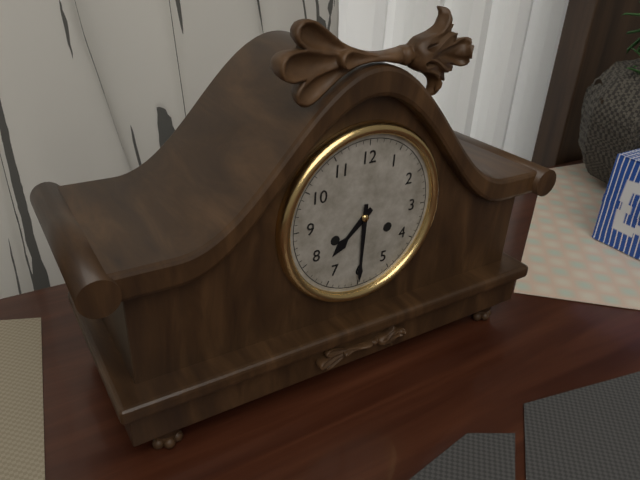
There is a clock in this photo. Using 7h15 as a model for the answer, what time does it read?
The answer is 7h30
